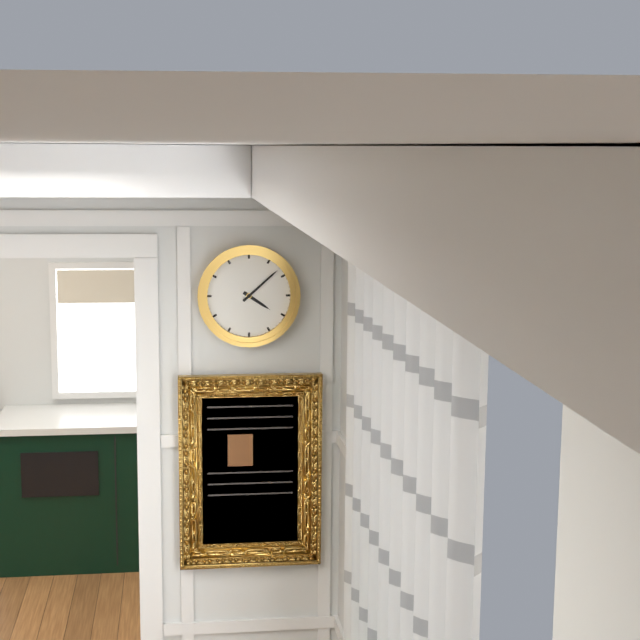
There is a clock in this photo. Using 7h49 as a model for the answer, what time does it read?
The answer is 4h08
